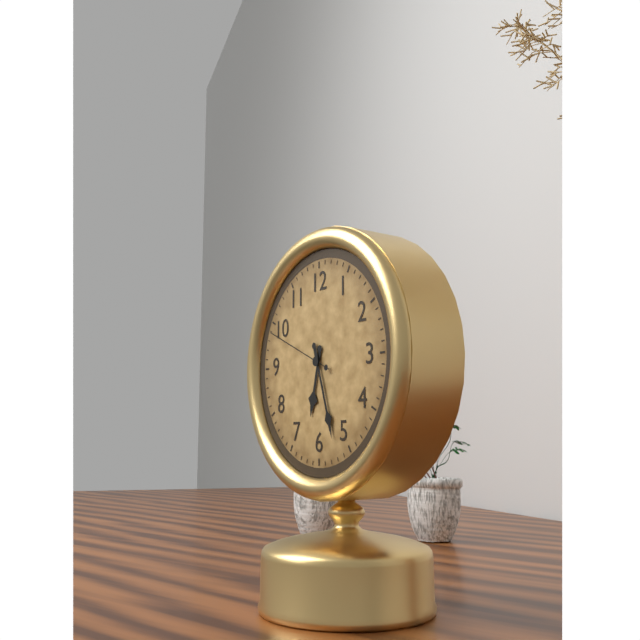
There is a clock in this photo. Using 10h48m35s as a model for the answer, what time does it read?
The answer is 6h27m49s
